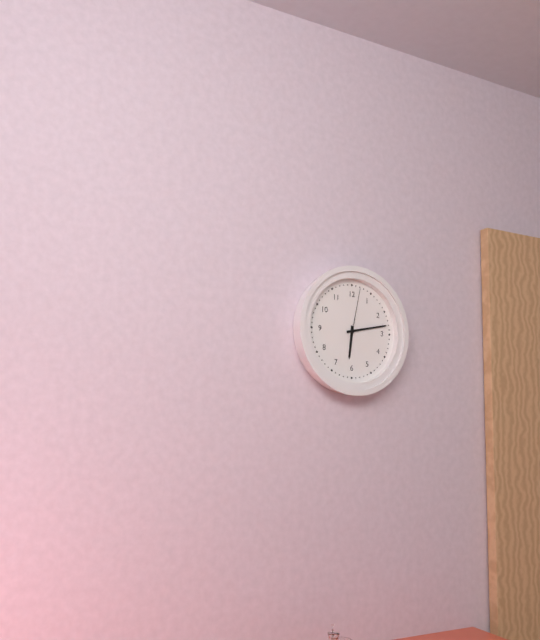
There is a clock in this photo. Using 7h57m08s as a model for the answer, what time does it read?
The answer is 6h13m02s
